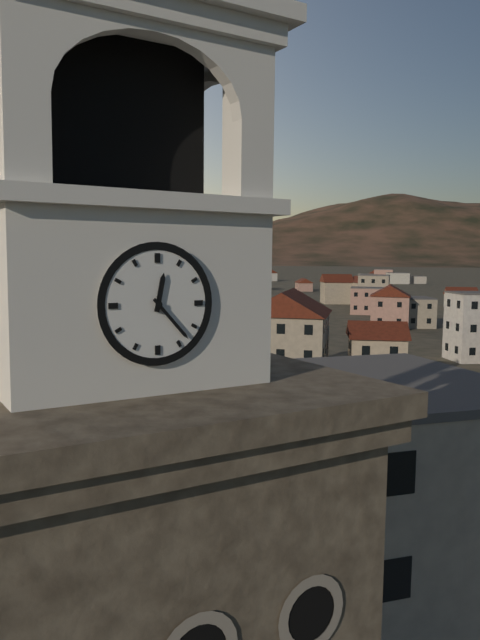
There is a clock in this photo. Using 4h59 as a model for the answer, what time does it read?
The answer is 12h23
